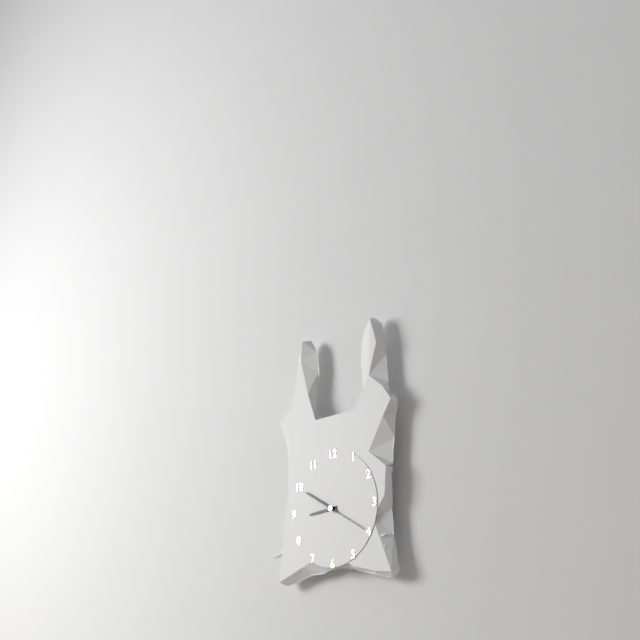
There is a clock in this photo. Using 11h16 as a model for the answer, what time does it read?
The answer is 8h50
